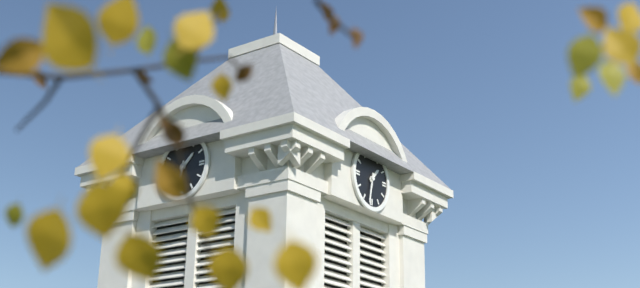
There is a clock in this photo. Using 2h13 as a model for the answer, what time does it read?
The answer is 1h32
